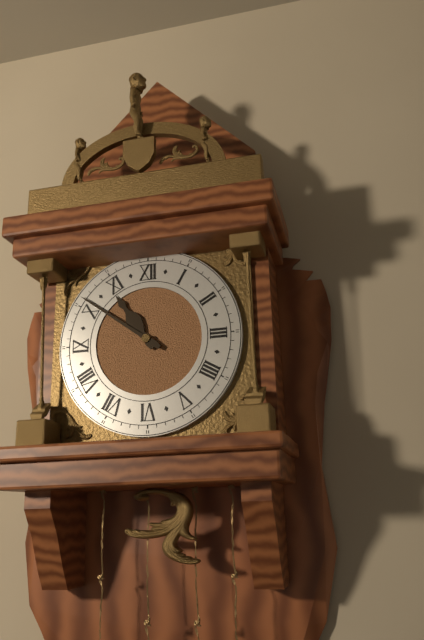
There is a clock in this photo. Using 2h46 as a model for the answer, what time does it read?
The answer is 10h51
